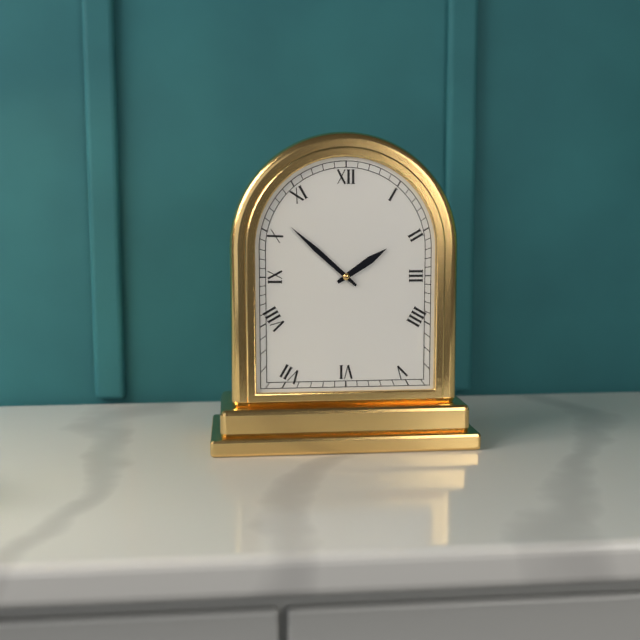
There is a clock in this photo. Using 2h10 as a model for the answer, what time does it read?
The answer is 1h52
